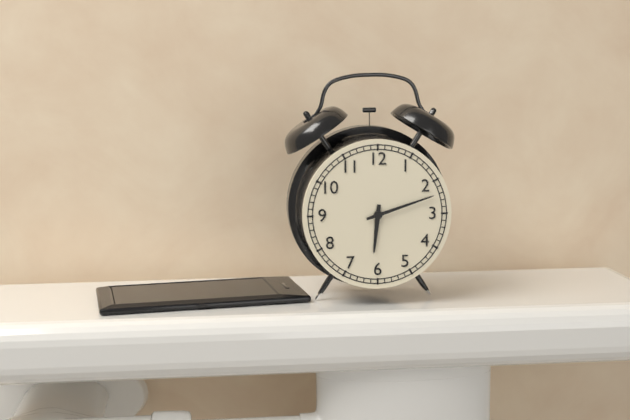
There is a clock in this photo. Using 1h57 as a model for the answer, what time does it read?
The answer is 6h12
